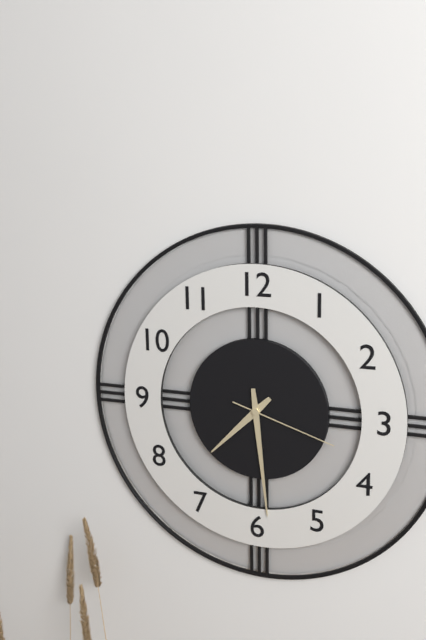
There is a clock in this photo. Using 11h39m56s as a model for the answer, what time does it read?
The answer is 7h29m18s
